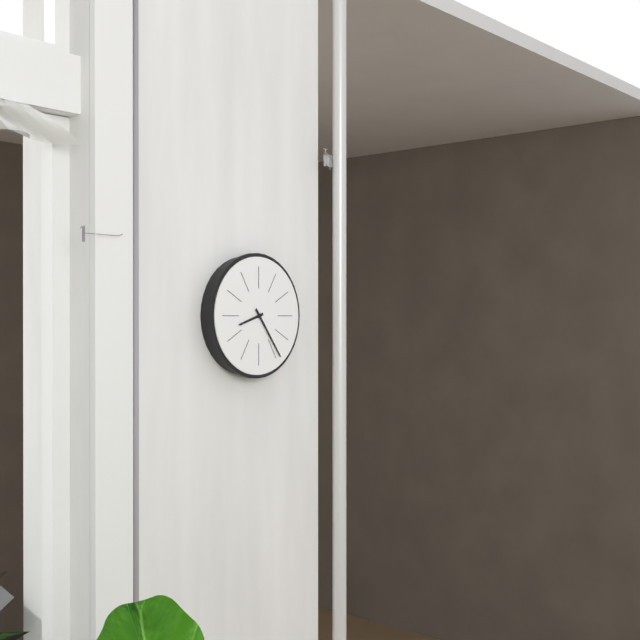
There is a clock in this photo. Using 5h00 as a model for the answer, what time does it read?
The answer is 8h24
